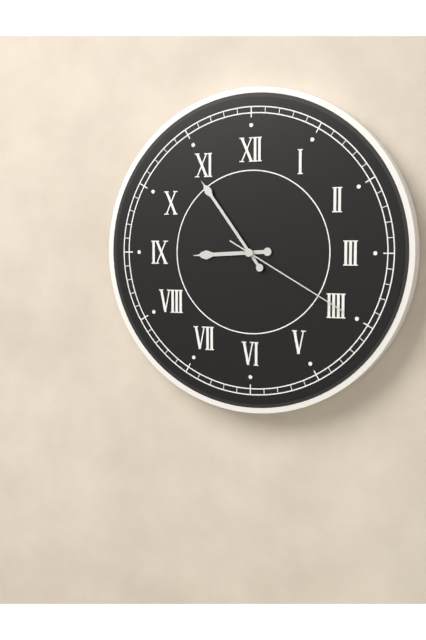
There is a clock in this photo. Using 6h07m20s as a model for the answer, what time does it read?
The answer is 8h54m20s
